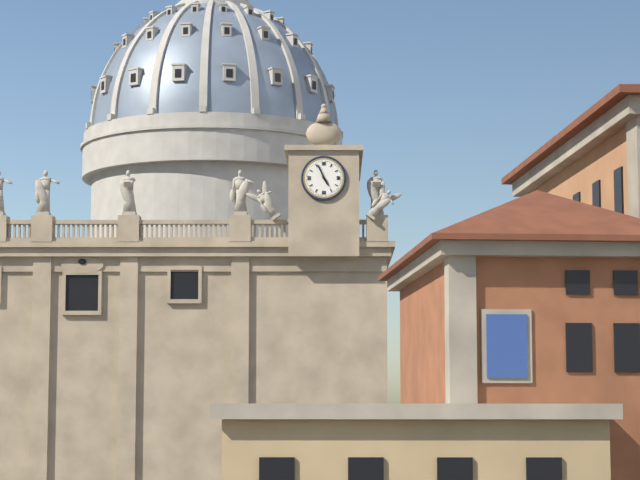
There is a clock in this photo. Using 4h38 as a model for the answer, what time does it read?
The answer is 4h56
